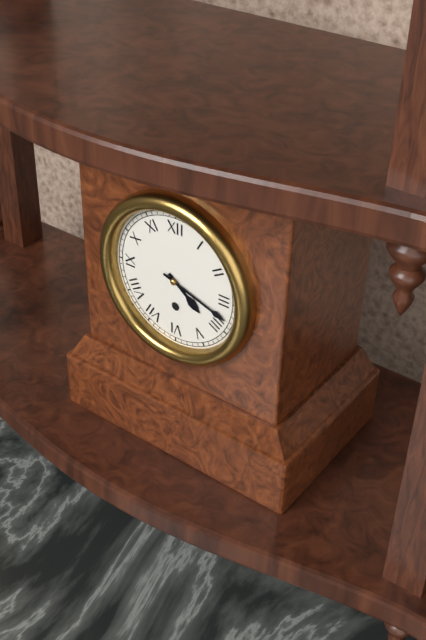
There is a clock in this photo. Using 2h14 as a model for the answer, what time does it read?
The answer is 4h18
